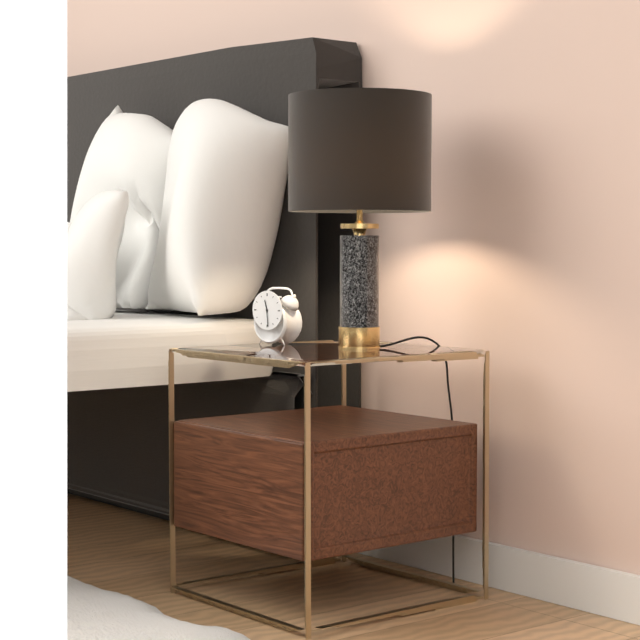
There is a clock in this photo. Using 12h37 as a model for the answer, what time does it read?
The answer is 11h29
